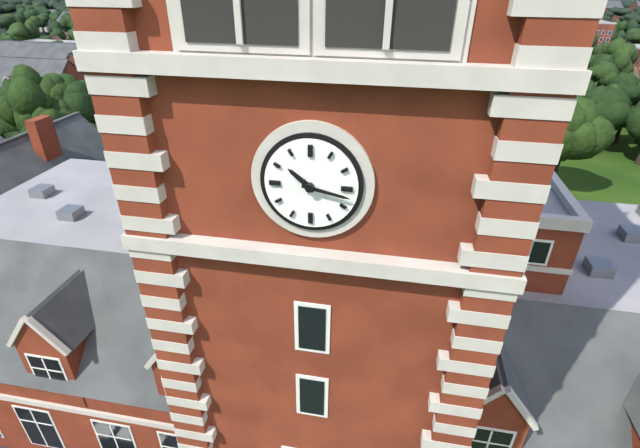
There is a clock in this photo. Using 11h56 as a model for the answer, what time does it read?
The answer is 10h17
